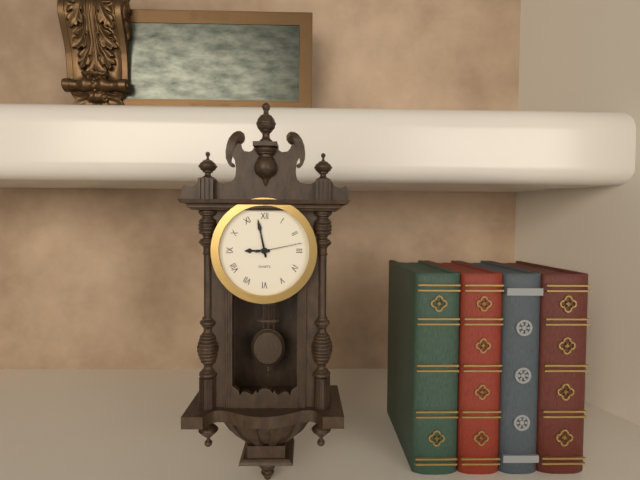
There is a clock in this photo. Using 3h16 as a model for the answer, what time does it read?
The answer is 8h58
